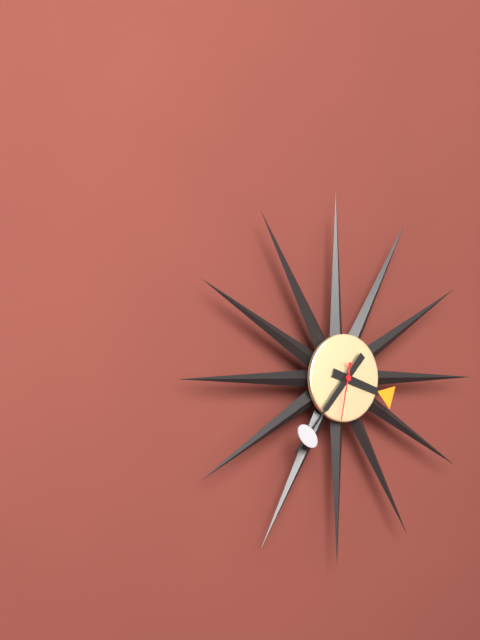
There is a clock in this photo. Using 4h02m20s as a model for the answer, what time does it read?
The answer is 3h37m32s
